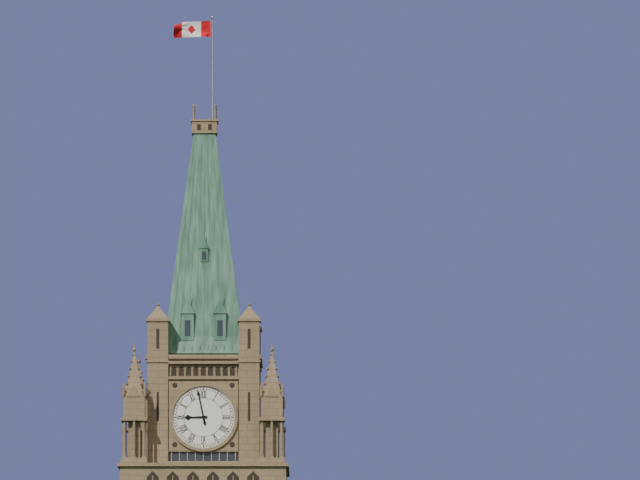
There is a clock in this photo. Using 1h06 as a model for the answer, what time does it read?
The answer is 8h58
